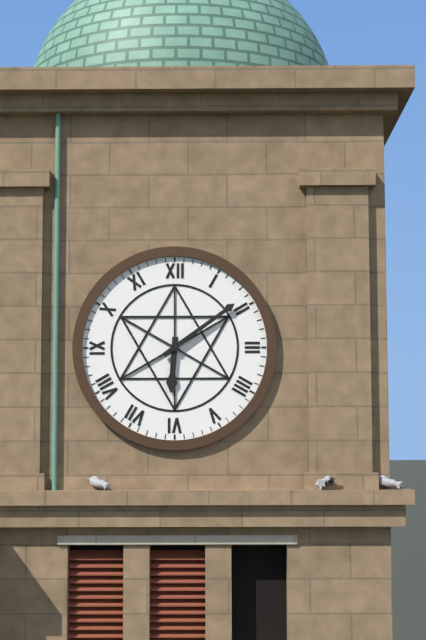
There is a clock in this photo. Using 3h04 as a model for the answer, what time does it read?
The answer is 6h09
